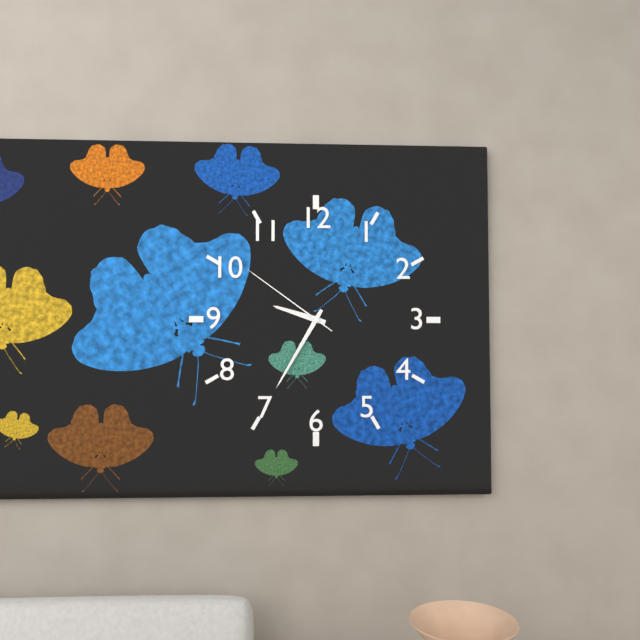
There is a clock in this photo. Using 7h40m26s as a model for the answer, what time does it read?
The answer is 9h35m51s
